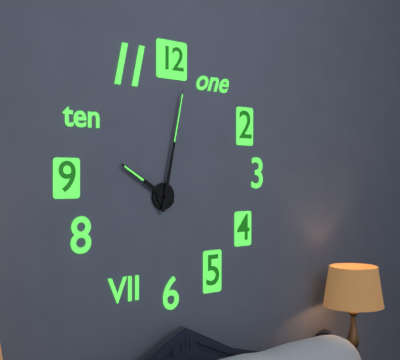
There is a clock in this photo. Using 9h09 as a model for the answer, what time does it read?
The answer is 10h02
